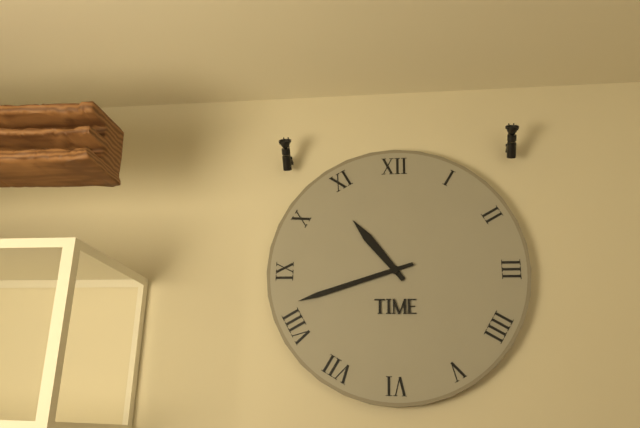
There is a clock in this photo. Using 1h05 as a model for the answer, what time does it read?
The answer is 10h42
